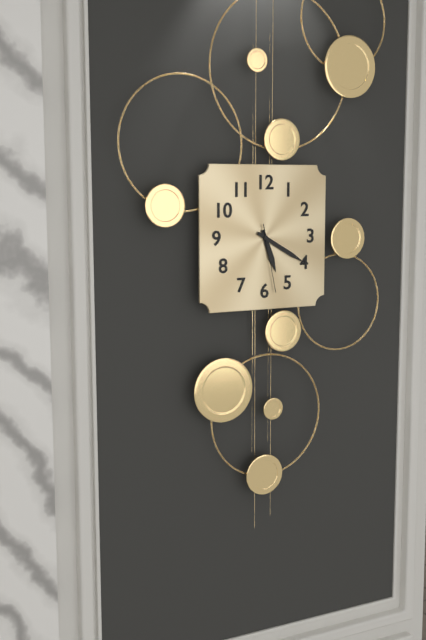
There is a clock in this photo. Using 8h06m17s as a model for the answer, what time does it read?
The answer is 5h20m28s
